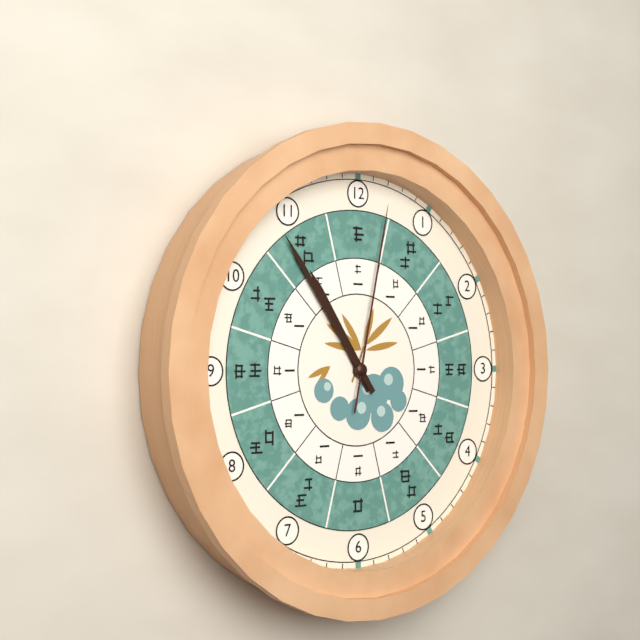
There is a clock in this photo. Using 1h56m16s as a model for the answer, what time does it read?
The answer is 10h54m02s
